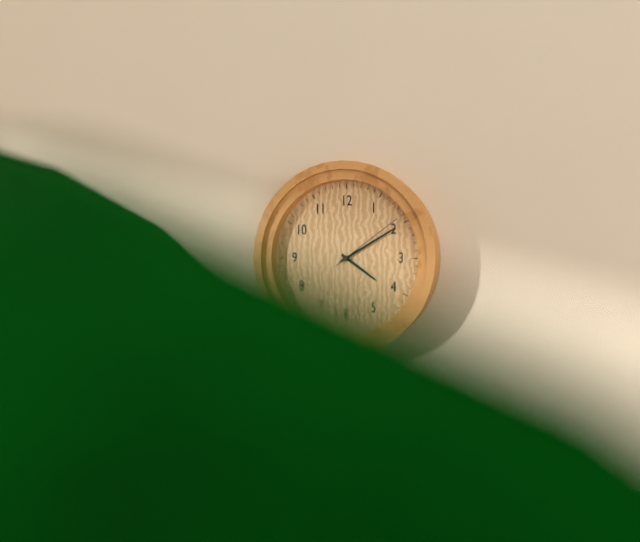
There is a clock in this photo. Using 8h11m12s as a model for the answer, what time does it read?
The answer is 4h10m09s
